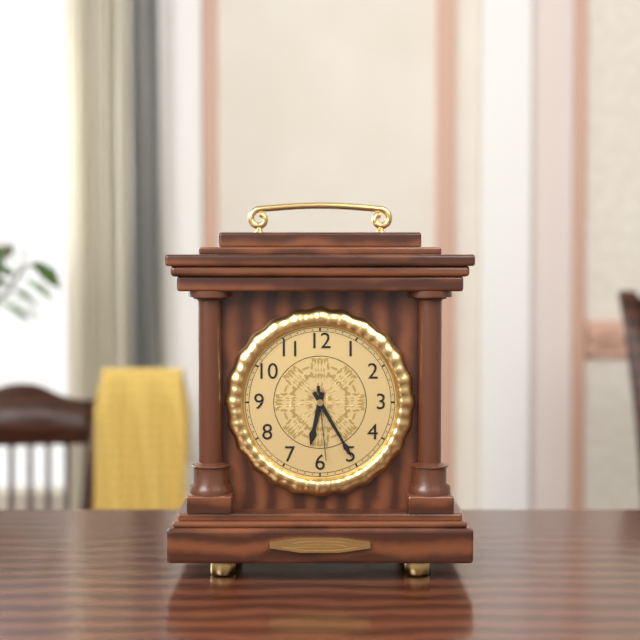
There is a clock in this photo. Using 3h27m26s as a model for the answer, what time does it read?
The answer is 6h25m29s
